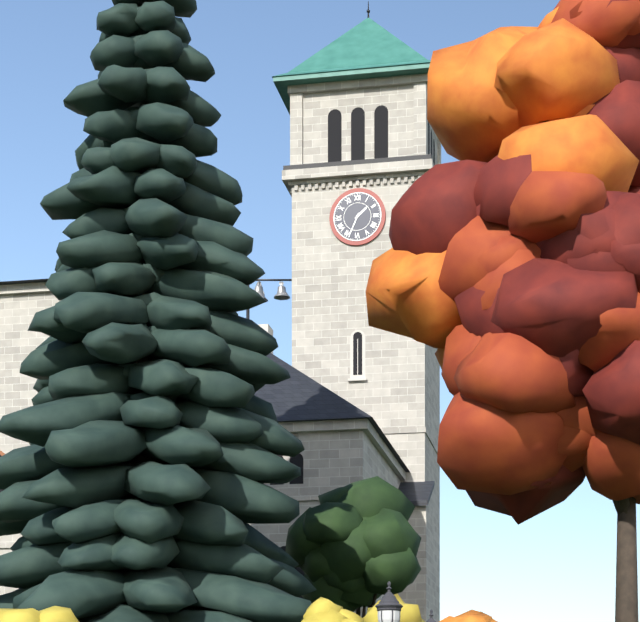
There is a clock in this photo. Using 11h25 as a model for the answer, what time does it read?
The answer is 1h34
